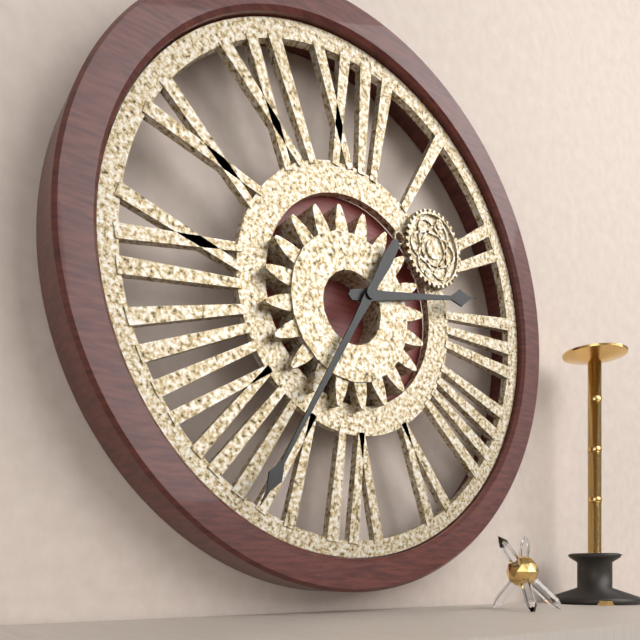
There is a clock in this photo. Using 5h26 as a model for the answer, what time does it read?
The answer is 2h35
